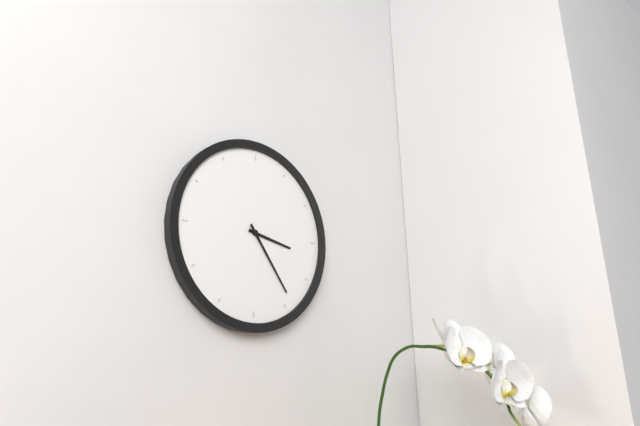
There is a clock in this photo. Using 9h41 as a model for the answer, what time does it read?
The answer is 3h24
